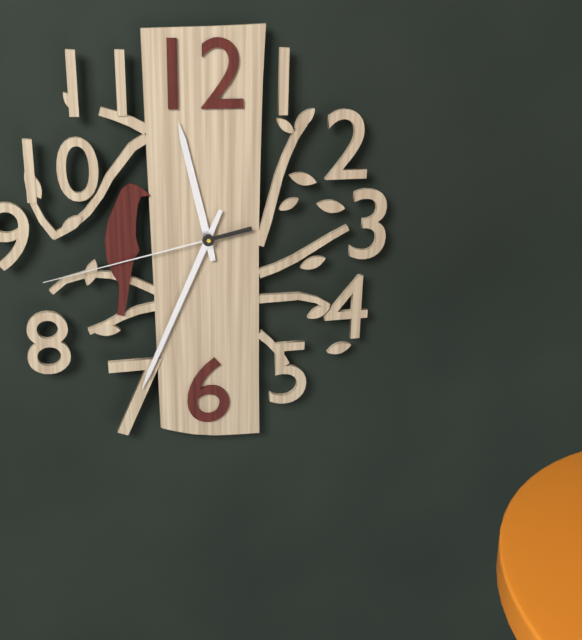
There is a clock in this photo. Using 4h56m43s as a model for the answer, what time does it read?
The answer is 11h34m43s
